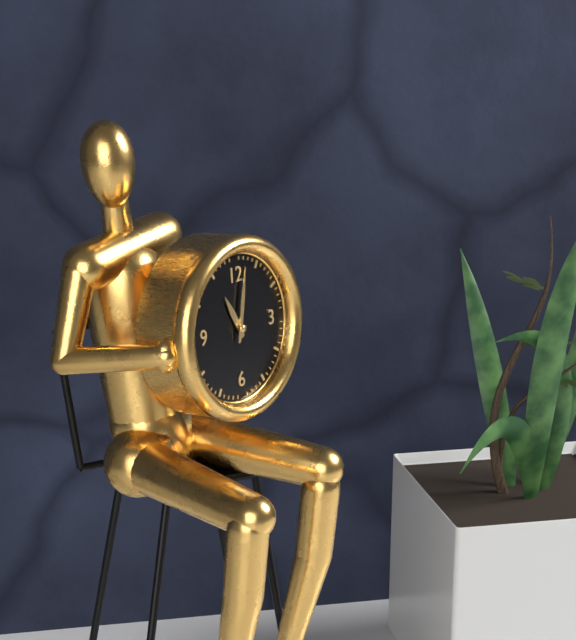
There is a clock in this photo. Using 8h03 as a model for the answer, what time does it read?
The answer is 11h02
